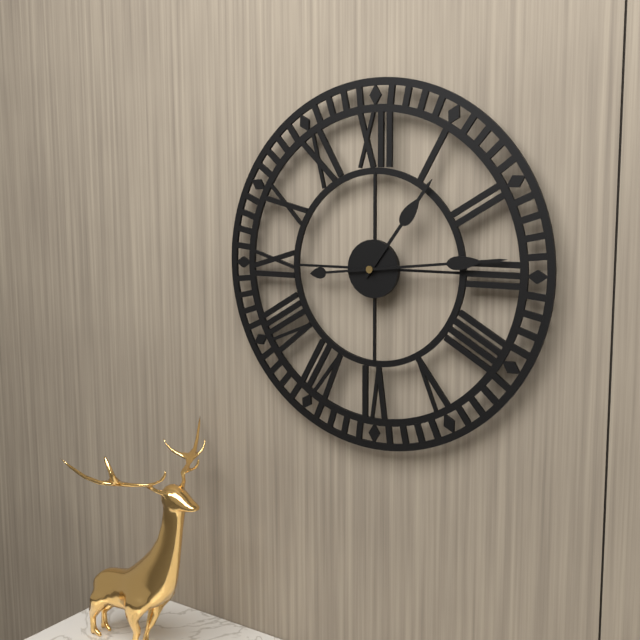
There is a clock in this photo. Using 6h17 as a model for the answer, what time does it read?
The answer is 1h14
